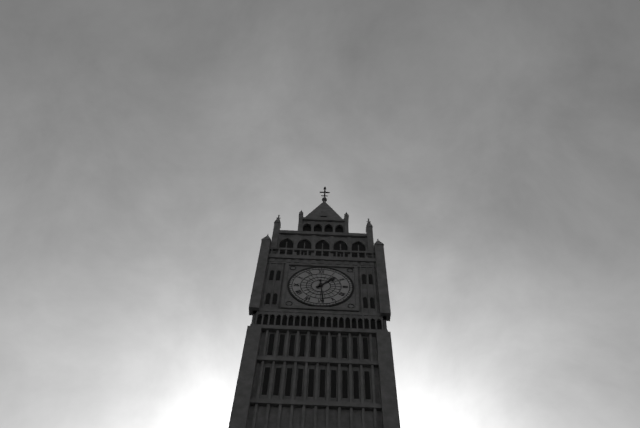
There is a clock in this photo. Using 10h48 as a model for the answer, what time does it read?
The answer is 1h29
